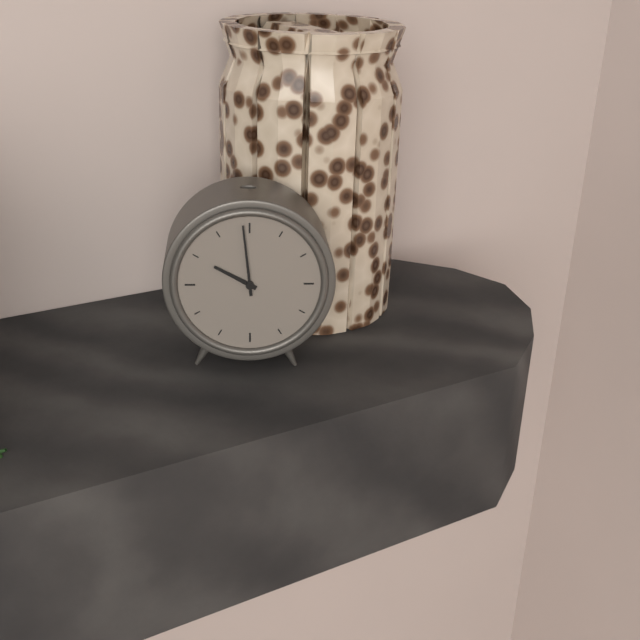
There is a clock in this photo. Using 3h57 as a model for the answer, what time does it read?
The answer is 9h59
